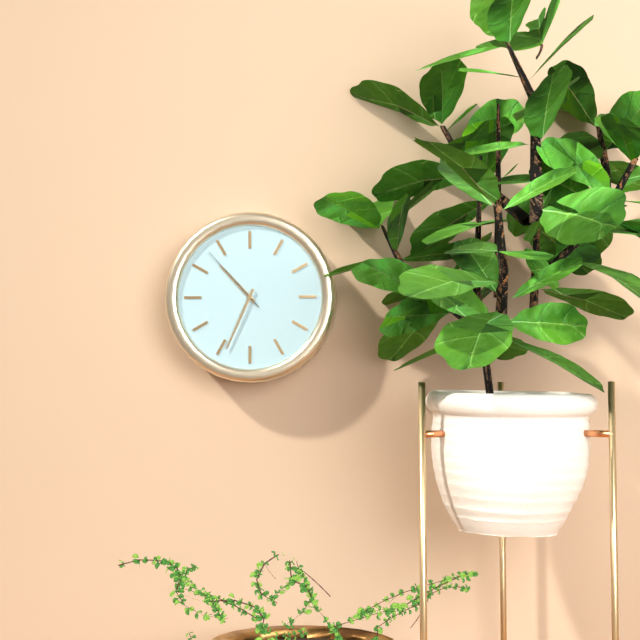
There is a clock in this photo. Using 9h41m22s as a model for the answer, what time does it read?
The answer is 10h34m53s
